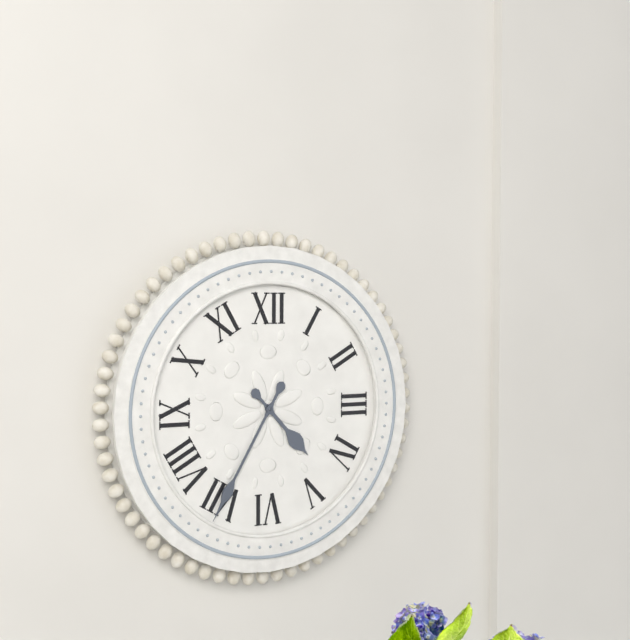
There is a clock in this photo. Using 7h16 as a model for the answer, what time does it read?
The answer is 4h35
